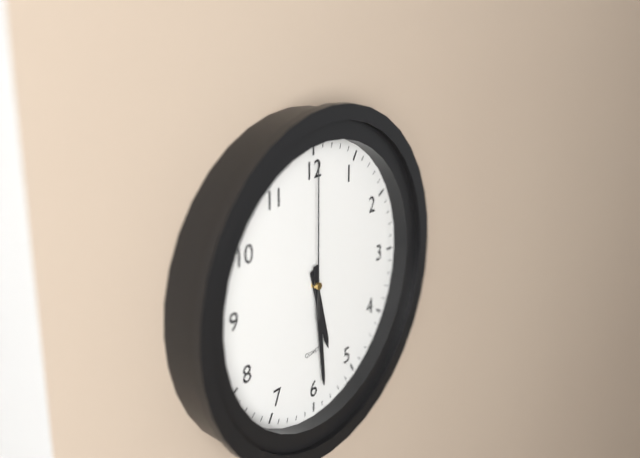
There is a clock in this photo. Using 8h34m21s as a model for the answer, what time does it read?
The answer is 5h29m00s
